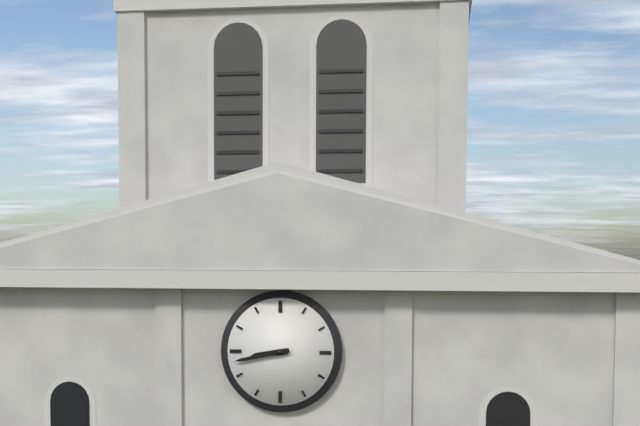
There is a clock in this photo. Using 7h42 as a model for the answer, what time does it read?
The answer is 8h43
